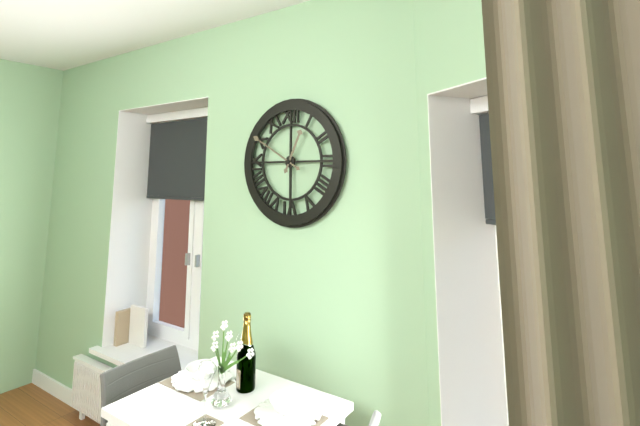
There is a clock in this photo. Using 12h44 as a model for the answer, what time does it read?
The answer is 12h50
